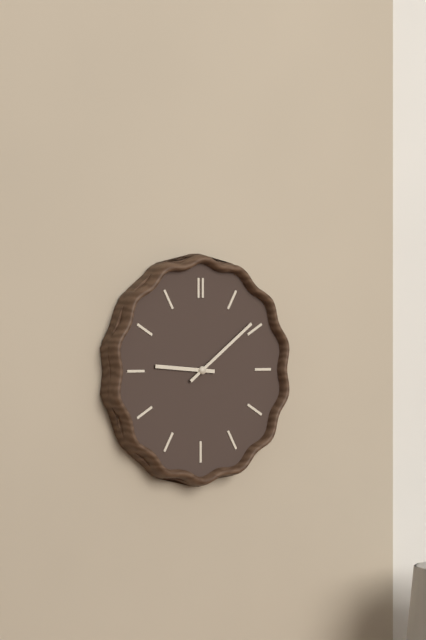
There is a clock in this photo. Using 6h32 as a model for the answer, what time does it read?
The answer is 9h09
